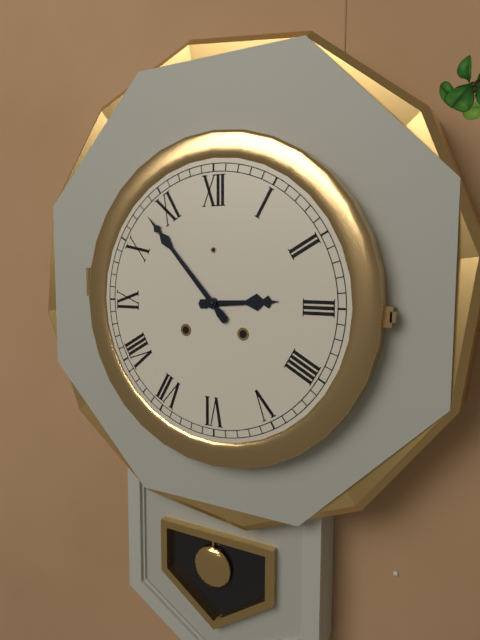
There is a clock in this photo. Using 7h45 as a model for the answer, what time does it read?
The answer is 2h53
